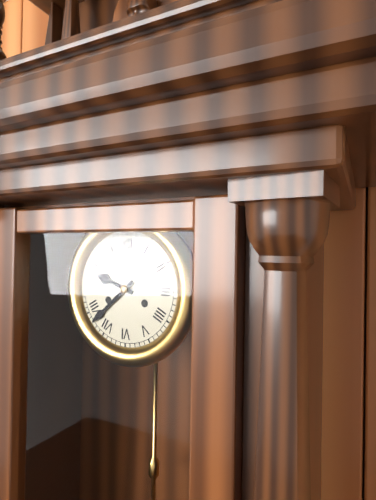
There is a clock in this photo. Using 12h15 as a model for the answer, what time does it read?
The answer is 9h38
